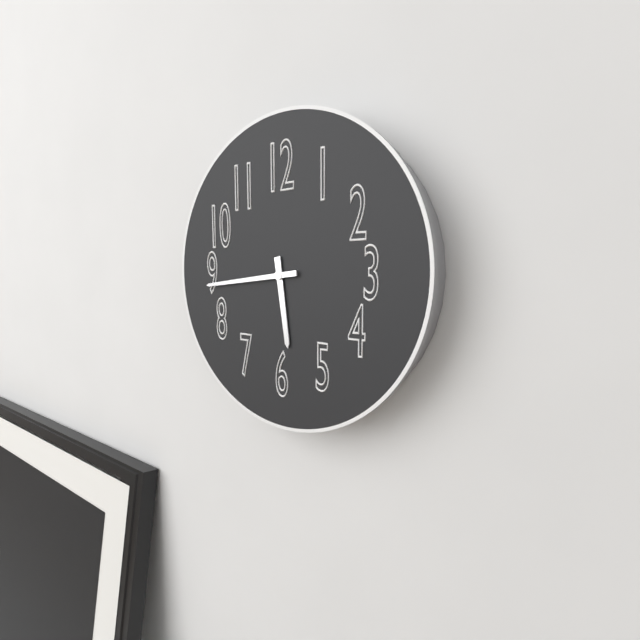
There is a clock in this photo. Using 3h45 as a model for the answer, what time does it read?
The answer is 5h44
